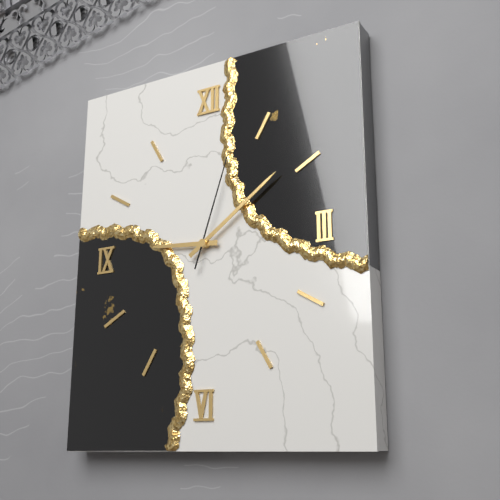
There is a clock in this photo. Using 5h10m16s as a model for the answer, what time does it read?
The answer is 9h09m03s
